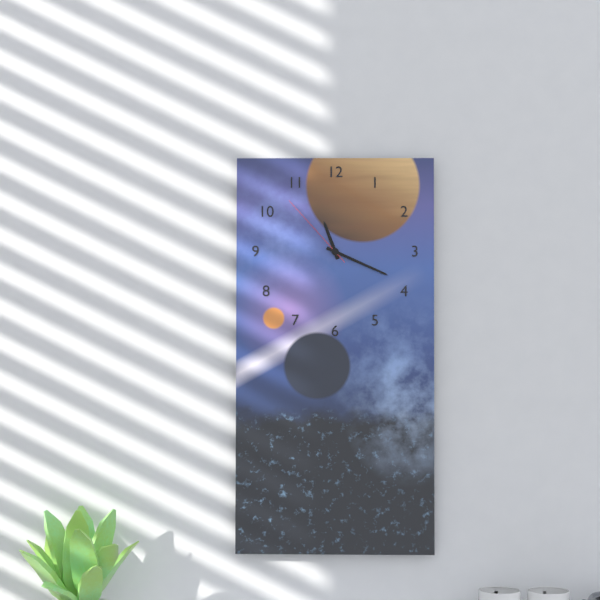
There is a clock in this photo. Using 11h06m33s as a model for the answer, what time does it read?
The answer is 11h19m53s
